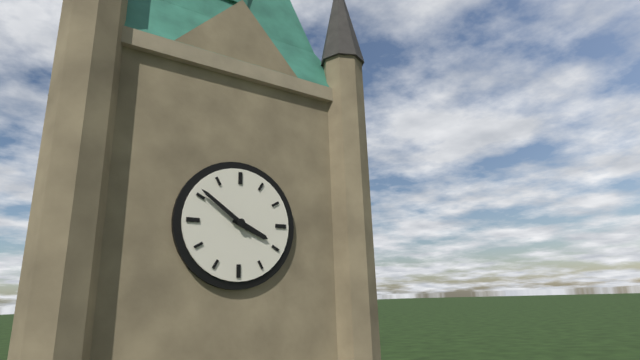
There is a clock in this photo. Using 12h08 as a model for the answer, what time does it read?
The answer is 3h51
